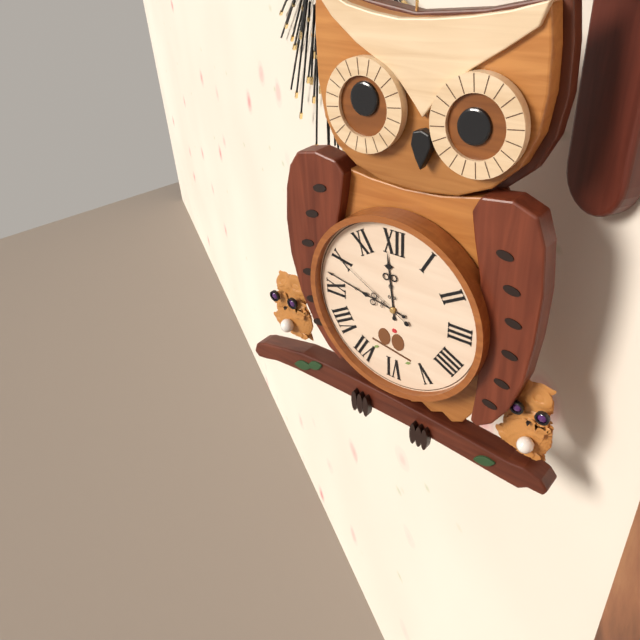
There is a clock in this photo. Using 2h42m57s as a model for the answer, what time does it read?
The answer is 11h47m50s
